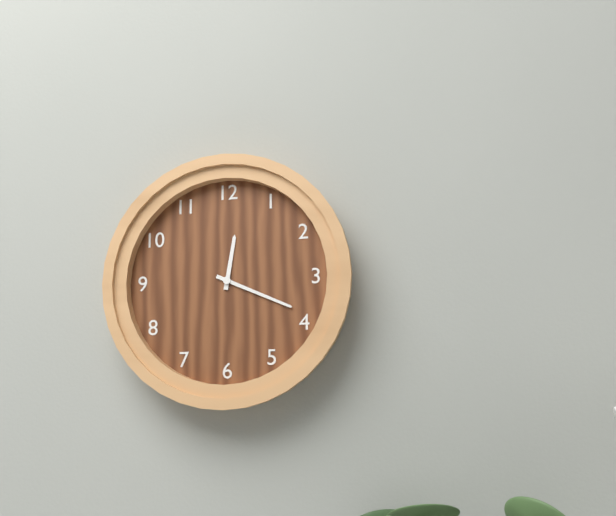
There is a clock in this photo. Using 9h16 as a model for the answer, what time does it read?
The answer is 12h19
